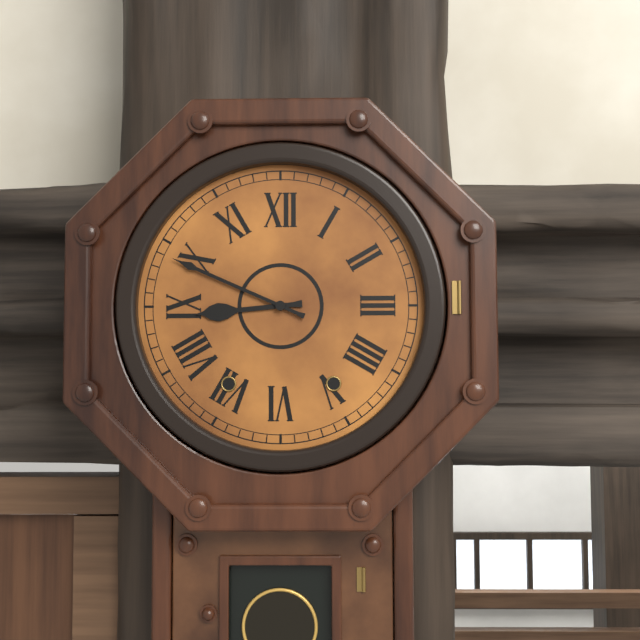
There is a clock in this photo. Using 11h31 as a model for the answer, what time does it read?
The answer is 8h49
